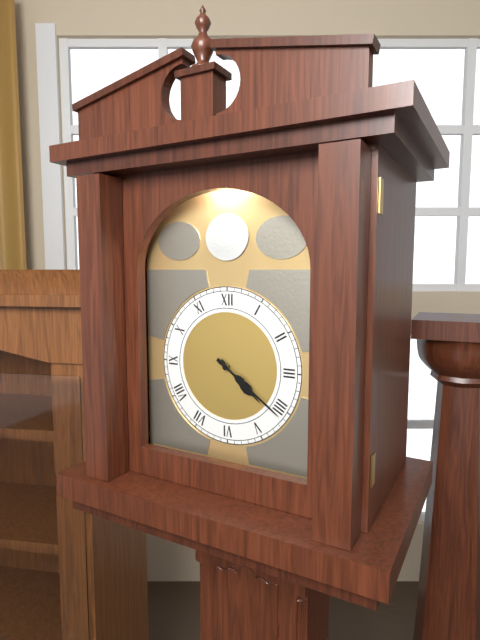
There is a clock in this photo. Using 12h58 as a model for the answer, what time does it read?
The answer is 4h21
